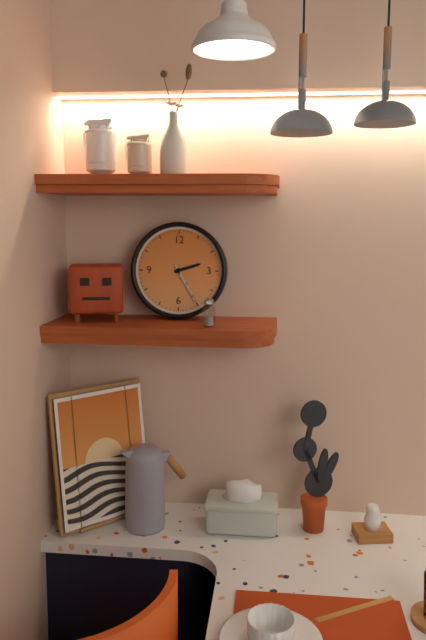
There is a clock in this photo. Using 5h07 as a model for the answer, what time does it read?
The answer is 2h25
